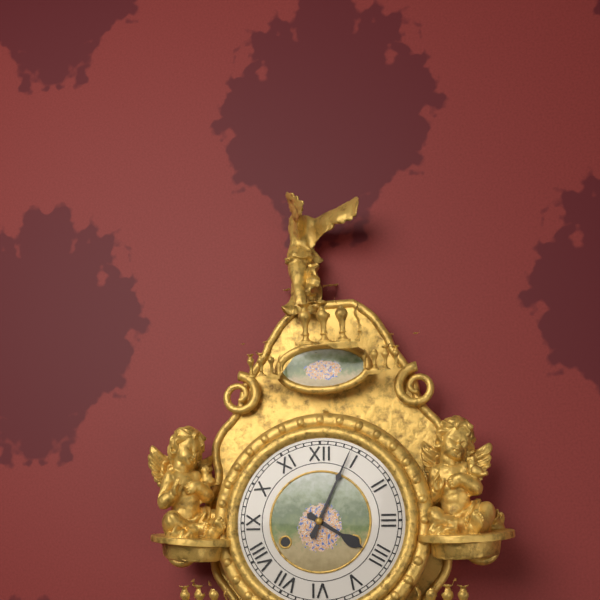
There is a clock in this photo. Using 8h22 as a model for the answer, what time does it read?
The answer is 4h04
